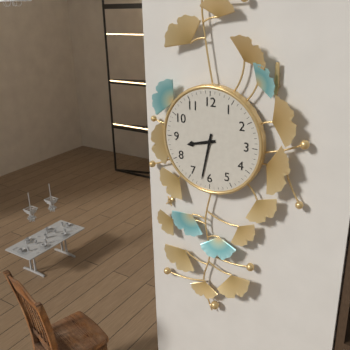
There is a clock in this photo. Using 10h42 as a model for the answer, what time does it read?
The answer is 8h32
